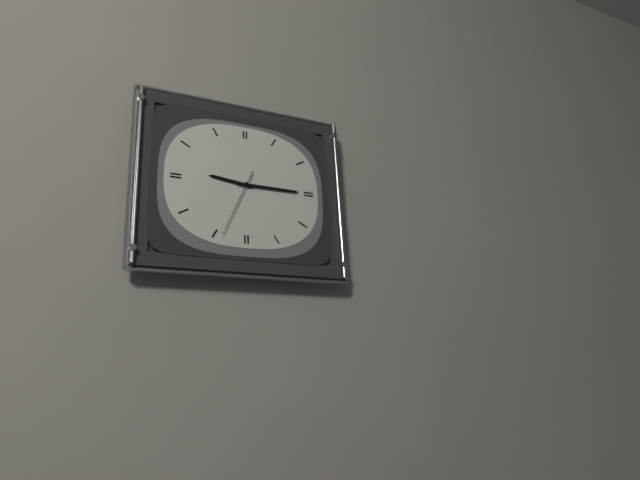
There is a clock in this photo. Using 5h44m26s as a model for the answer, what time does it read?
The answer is 9h15m34s
